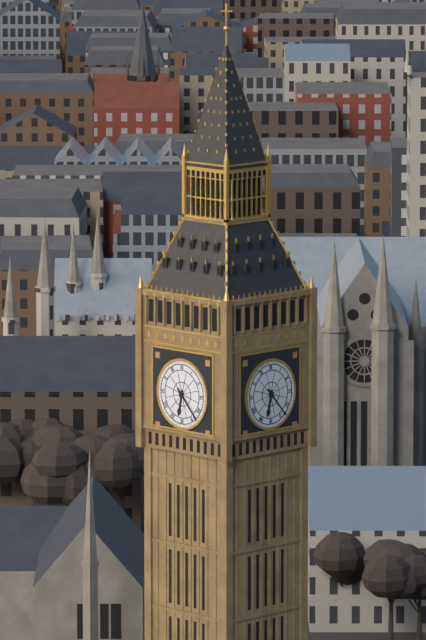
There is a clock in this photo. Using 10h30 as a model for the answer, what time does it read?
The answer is 6h23
